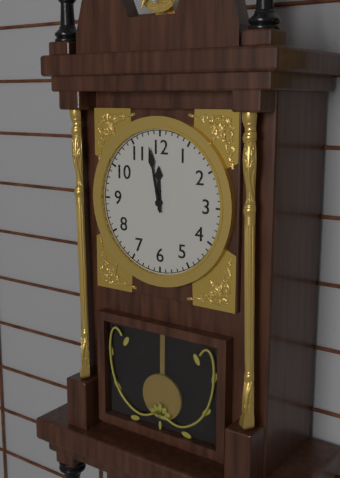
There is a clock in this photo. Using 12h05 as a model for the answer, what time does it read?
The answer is 11h58
